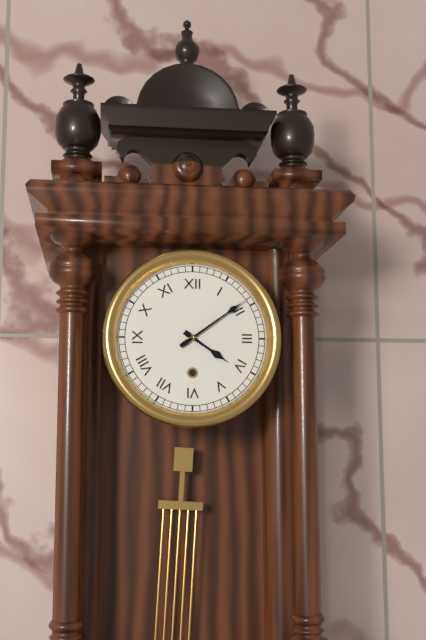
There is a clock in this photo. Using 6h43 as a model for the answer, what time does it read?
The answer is 4h09
